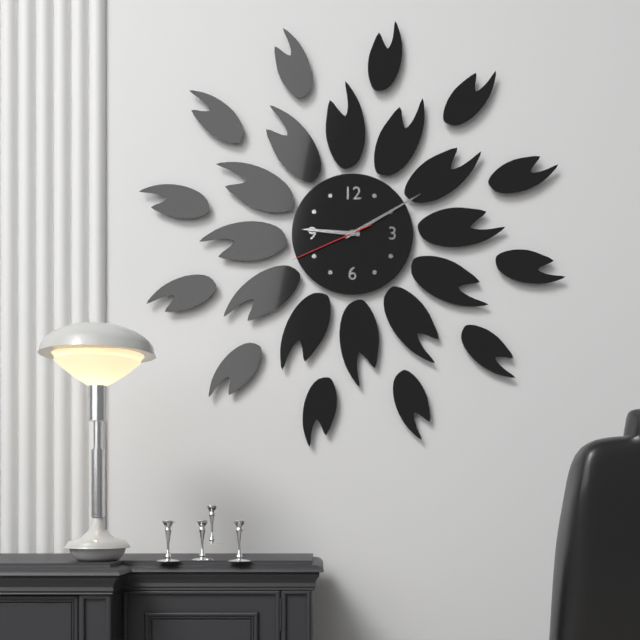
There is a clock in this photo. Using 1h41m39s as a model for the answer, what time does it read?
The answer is 9h10m41s
